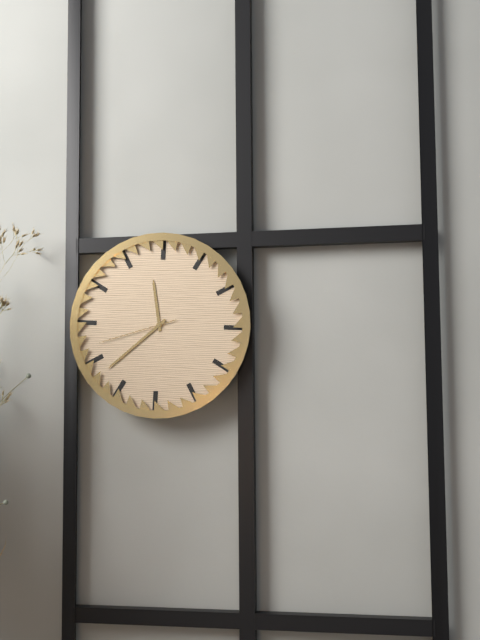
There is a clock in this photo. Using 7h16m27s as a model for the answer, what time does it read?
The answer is 11h38m42s
